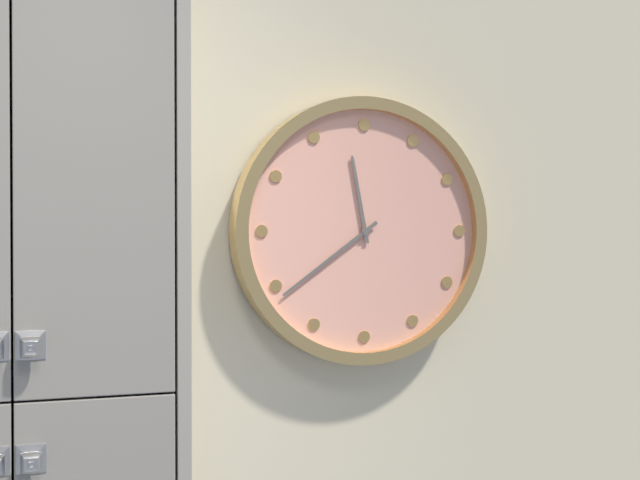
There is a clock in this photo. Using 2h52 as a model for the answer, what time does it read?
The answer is 11h39
